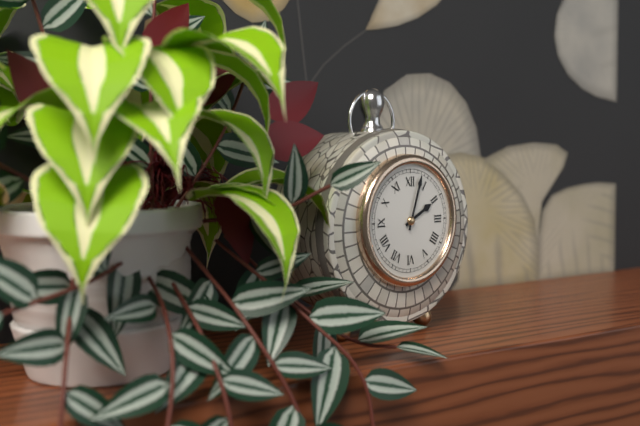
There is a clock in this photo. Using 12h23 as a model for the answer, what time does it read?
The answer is 2h03
